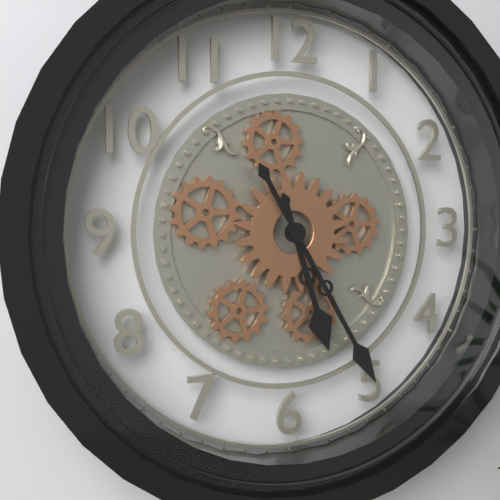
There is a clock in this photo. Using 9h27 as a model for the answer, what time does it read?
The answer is 5h25
